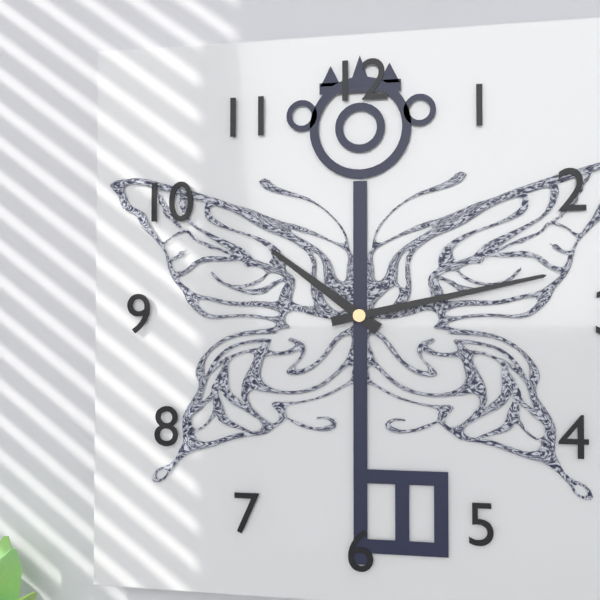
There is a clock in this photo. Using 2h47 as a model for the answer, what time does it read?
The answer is 10h13
